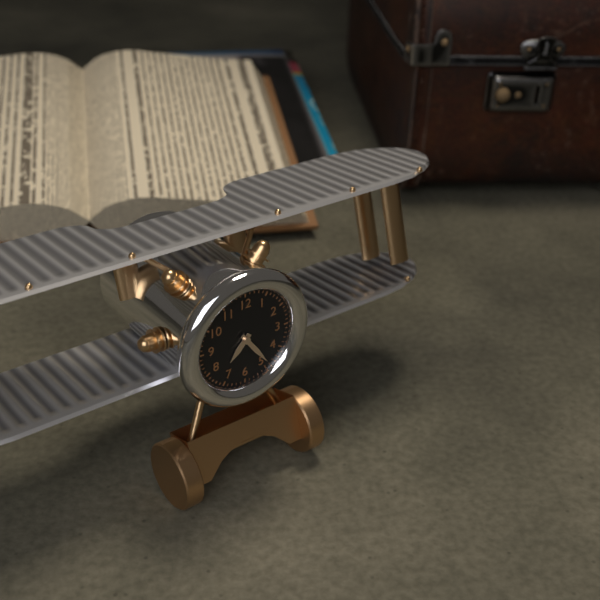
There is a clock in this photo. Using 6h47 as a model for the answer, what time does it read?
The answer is 7h24
